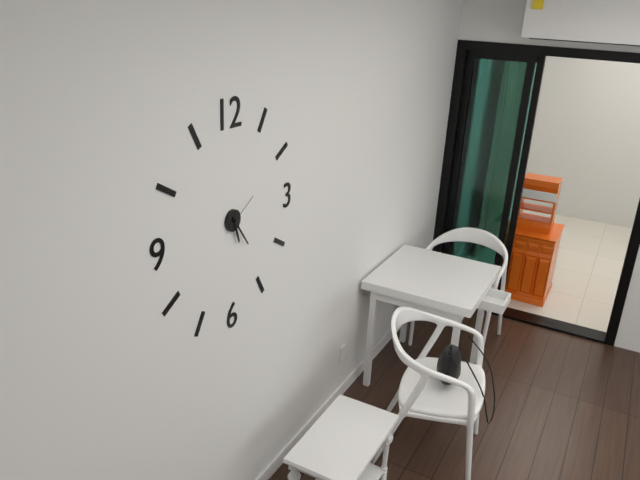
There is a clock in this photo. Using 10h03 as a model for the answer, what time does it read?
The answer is 5h24
